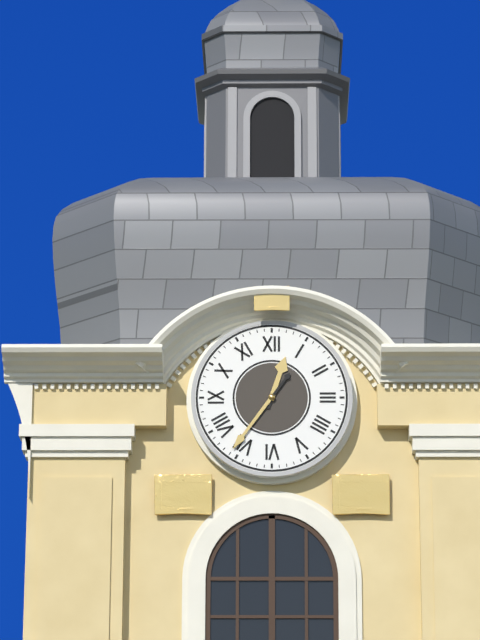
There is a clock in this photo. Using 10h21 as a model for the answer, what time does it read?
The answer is 12h36
